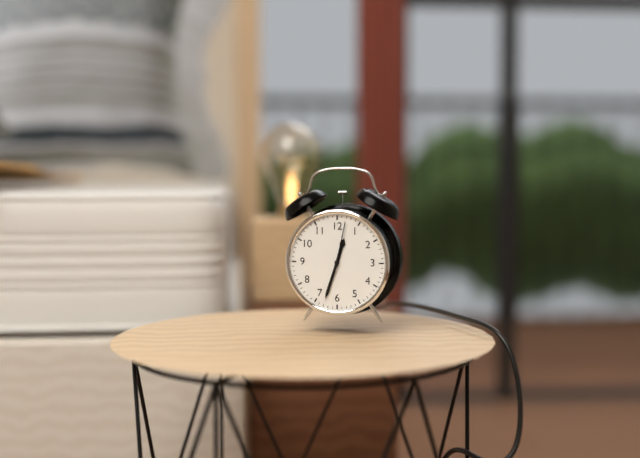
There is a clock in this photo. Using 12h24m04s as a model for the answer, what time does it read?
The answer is 12h33m02s
